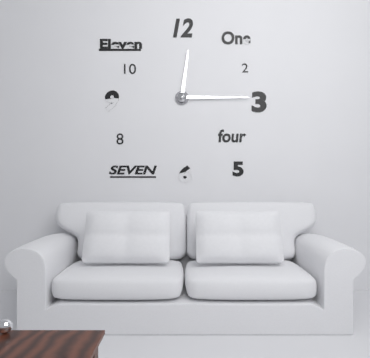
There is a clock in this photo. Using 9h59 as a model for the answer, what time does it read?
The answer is 12h15
